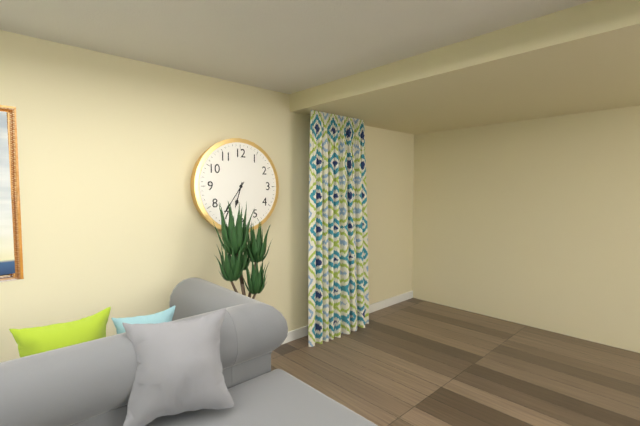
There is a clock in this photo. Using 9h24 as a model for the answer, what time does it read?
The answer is 6h36
